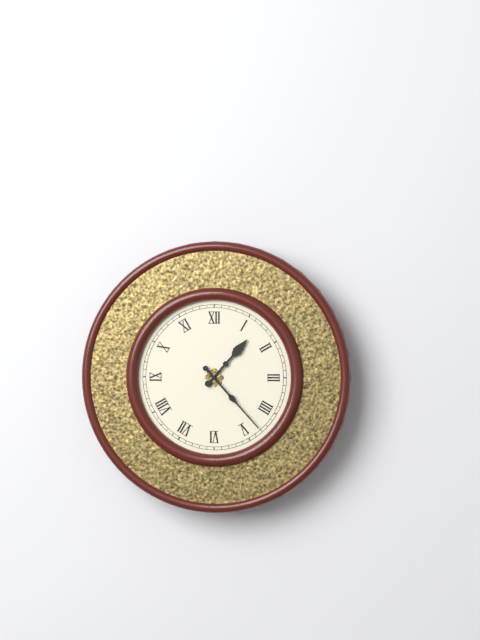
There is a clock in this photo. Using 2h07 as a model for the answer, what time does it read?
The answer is 1h23
